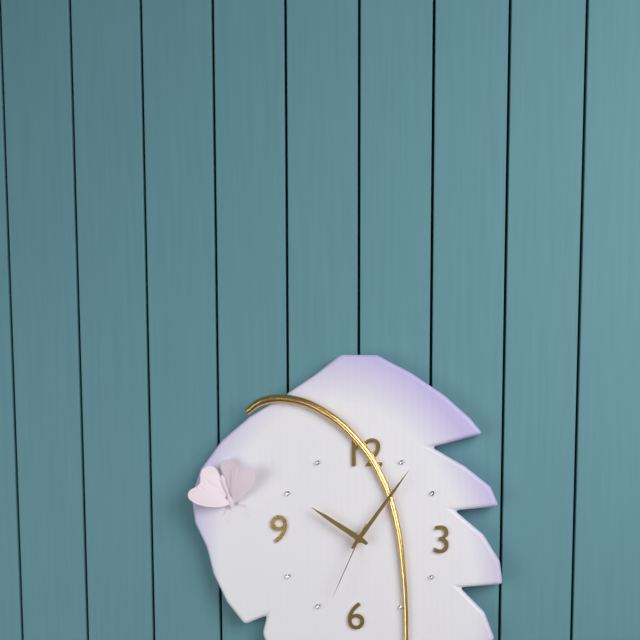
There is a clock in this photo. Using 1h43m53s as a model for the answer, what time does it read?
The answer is 10h06m34s
